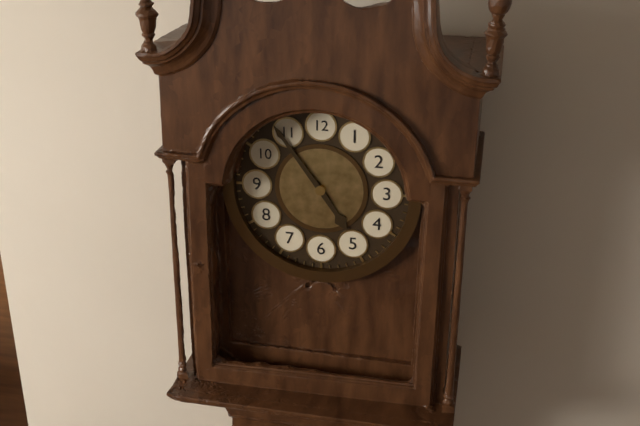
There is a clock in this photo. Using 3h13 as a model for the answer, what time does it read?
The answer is 4h54
